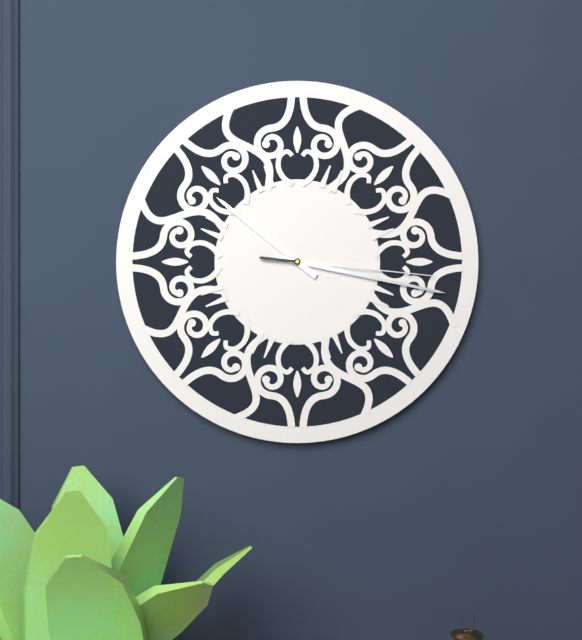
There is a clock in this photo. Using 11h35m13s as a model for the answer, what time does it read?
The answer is 10h17m16s
